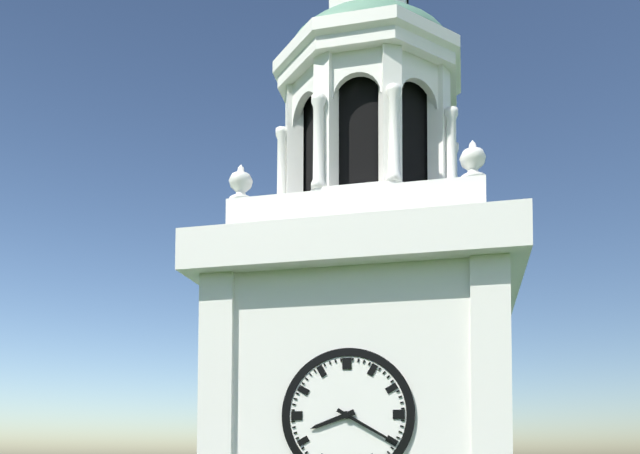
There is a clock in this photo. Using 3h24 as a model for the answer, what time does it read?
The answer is 8h20
